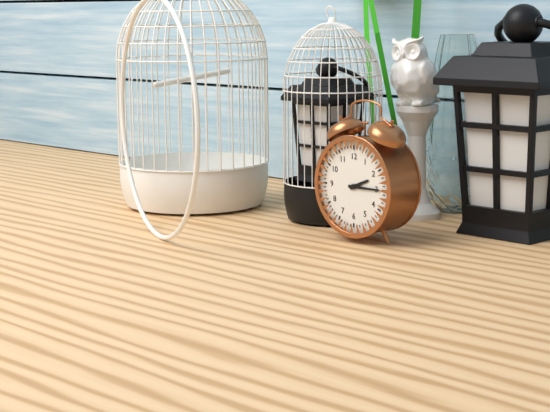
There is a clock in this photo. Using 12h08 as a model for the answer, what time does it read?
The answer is 2h15
